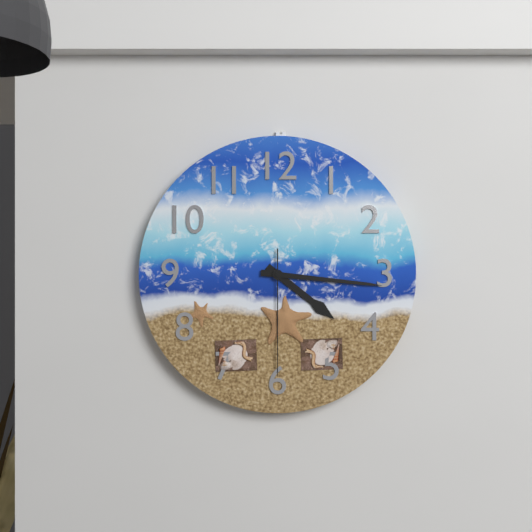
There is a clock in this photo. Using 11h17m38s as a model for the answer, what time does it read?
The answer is 4h16m30s
